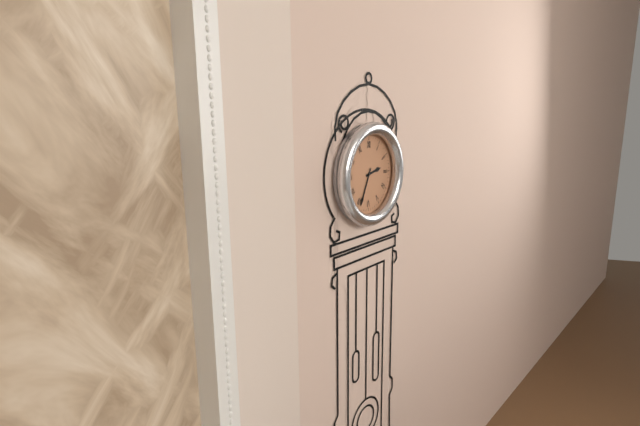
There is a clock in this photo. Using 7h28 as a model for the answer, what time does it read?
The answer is 2h34
